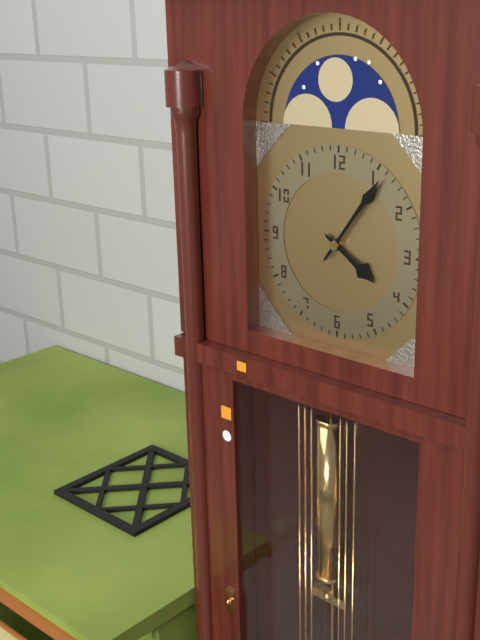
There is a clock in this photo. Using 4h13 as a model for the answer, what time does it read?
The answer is 4h06
